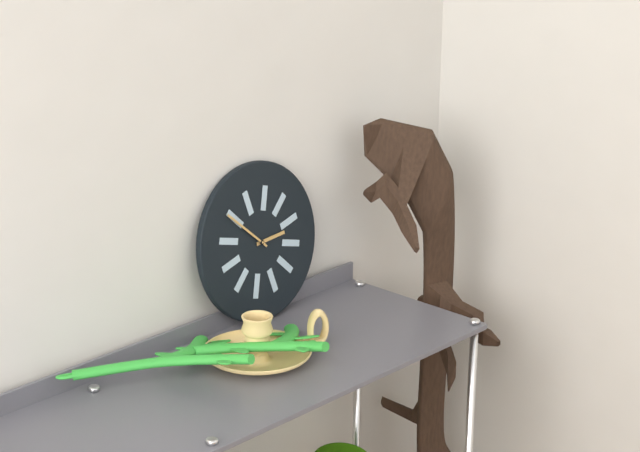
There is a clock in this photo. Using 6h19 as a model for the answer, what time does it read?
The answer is 2h52
